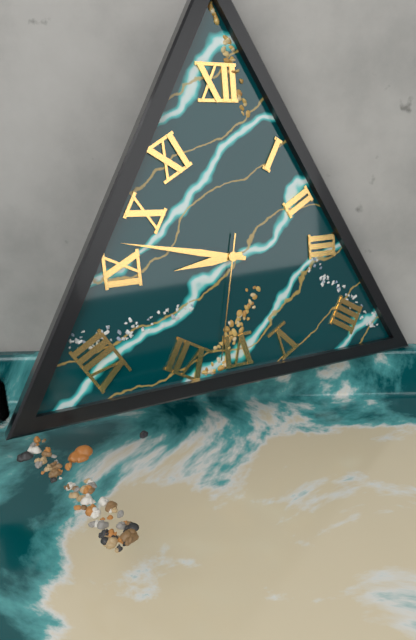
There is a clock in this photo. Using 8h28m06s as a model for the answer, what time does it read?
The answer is 8h47m32s
